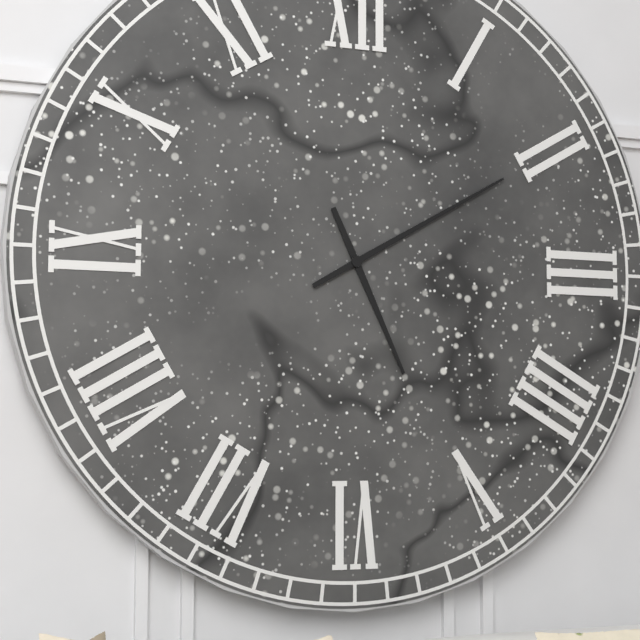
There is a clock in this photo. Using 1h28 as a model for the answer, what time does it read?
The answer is 5h10
